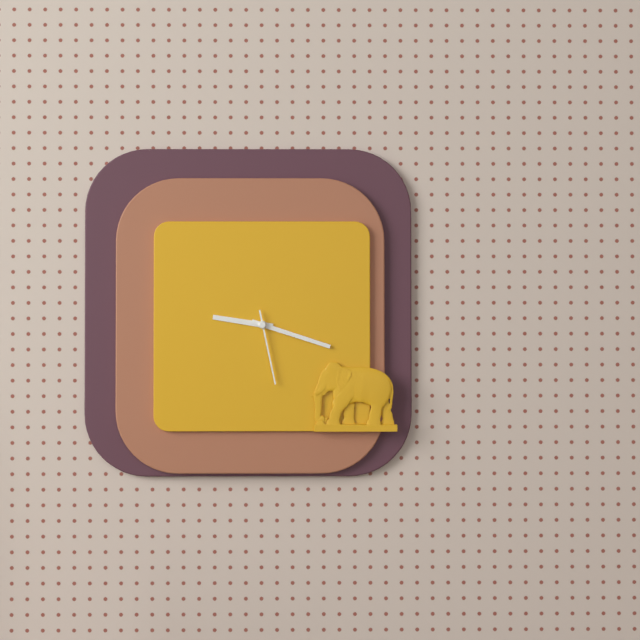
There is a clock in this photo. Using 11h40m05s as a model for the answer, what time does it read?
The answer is 9h18m28s
